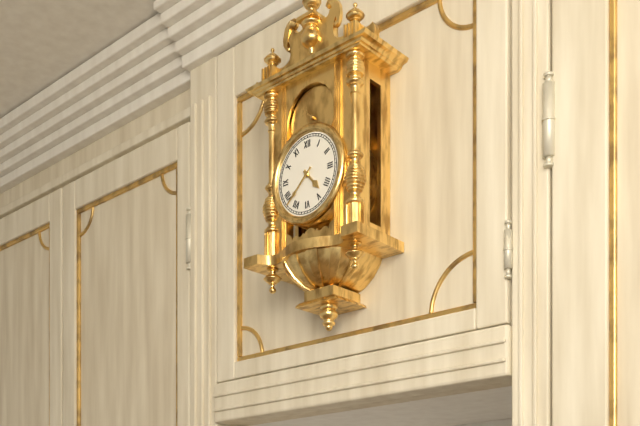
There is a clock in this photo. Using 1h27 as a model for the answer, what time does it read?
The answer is 4h38
